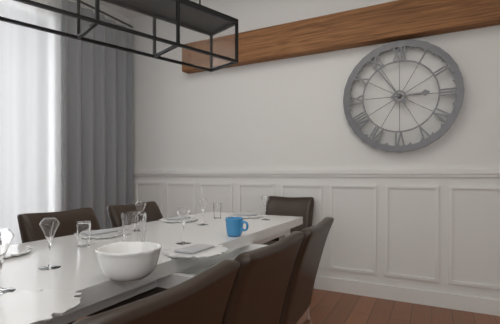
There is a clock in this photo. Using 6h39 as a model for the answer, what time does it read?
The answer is 2h54
